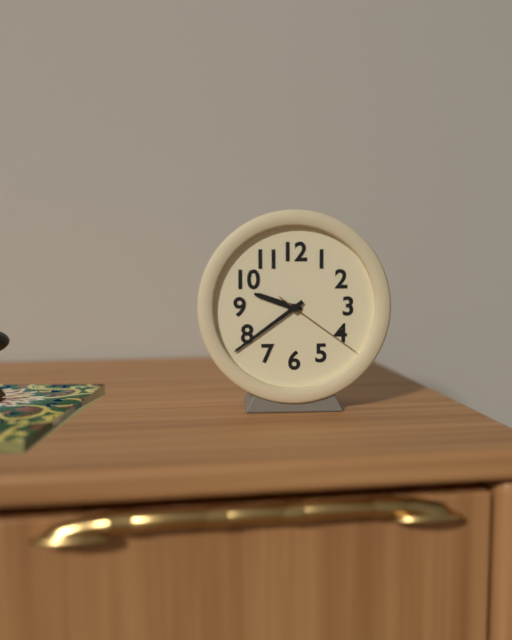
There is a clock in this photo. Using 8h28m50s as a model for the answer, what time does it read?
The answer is 9h39m21s
